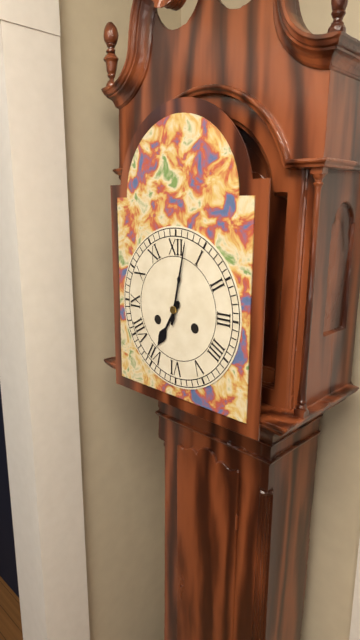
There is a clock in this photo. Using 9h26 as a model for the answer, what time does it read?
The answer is 7h02
